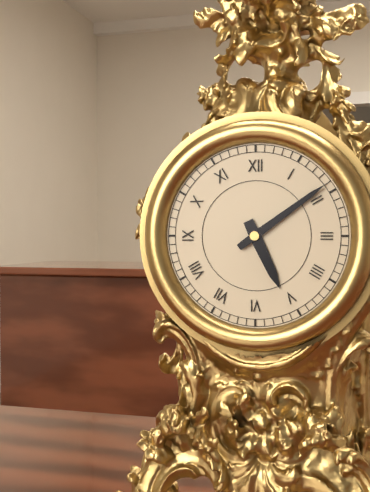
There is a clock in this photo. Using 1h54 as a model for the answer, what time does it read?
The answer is 5h09
